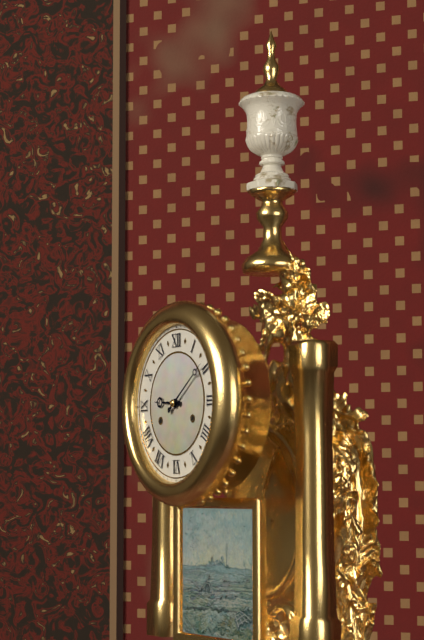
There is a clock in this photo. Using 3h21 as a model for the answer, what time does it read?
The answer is 9h09
